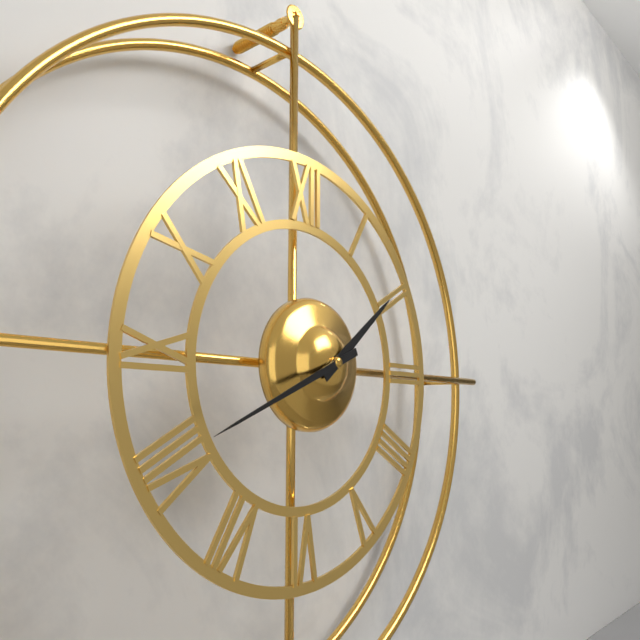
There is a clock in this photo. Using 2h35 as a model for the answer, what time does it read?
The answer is 1h41
